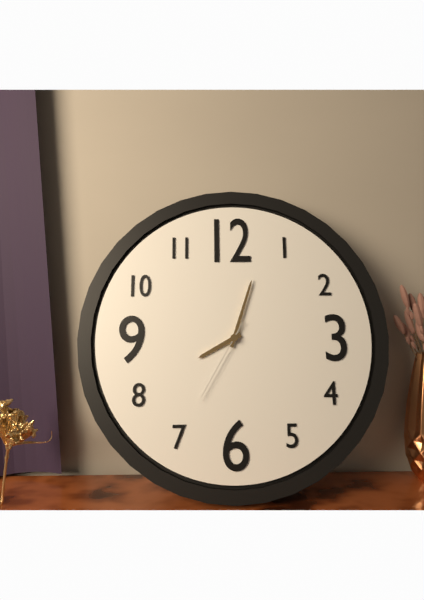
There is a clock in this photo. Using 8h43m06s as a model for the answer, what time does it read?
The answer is 8h03m35s
